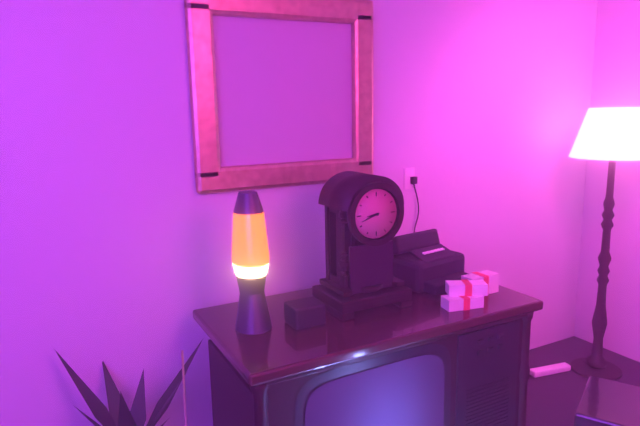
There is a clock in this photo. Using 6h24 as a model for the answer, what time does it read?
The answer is 8h42
